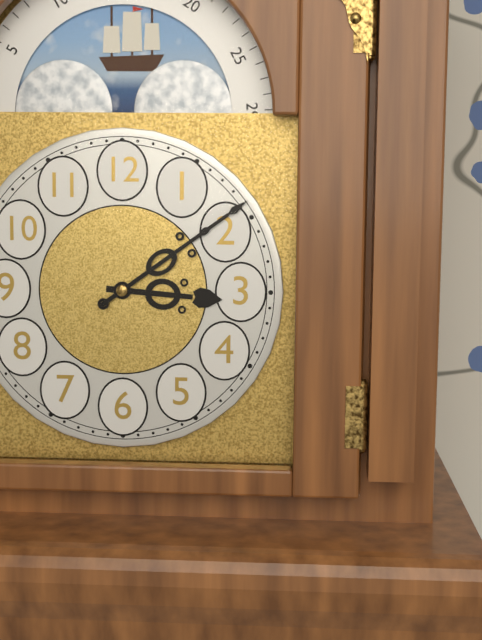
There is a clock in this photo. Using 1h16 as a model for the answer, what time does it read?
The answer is 3h09
